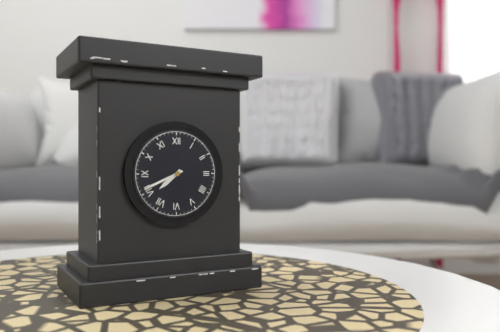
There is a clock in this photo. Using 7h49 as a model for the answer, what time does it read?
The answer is 7h41
